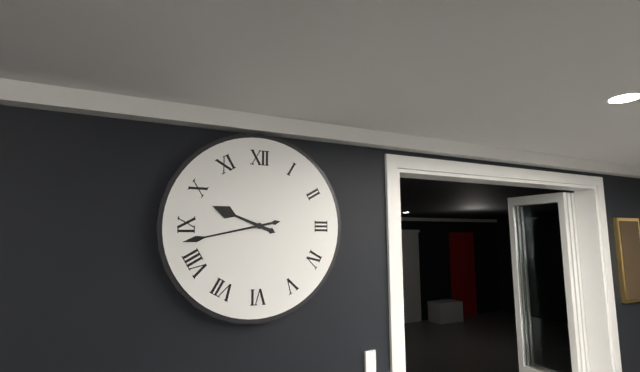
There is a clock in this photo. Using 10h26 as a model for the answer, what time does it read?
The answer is 9h43
